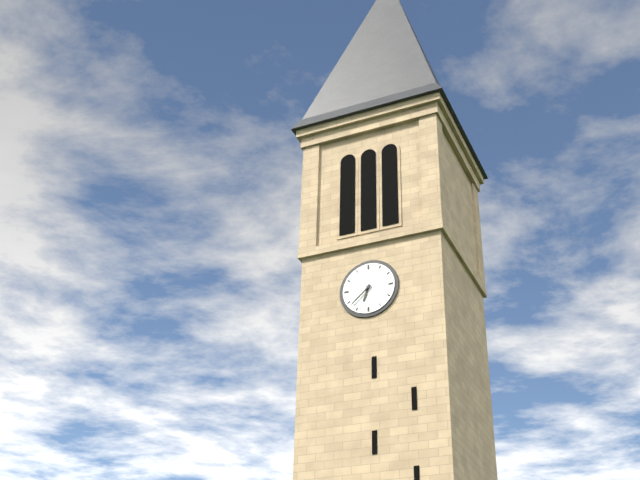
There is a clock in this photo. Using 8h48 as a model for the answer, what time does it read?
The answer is 6h38
